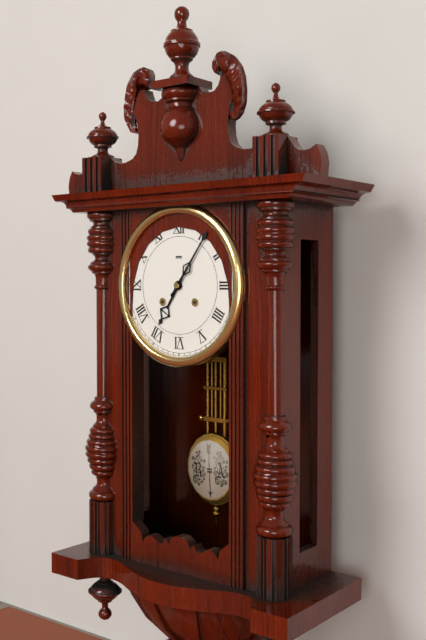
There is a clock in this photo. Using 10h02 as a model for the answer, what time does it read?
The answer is 7h06
